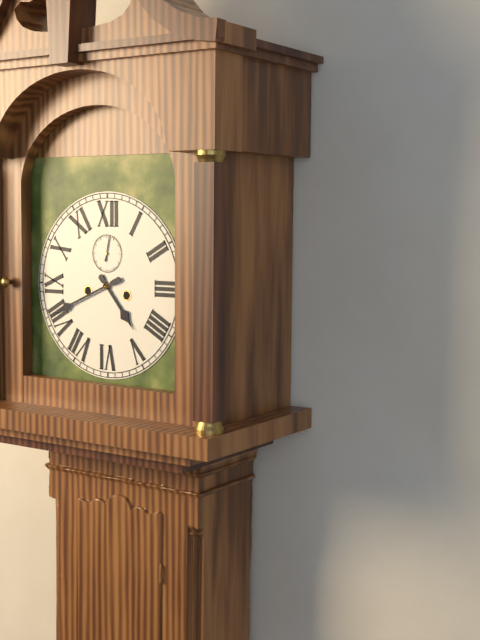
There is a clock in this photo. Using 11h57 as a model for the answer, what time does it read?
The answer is 4h41
